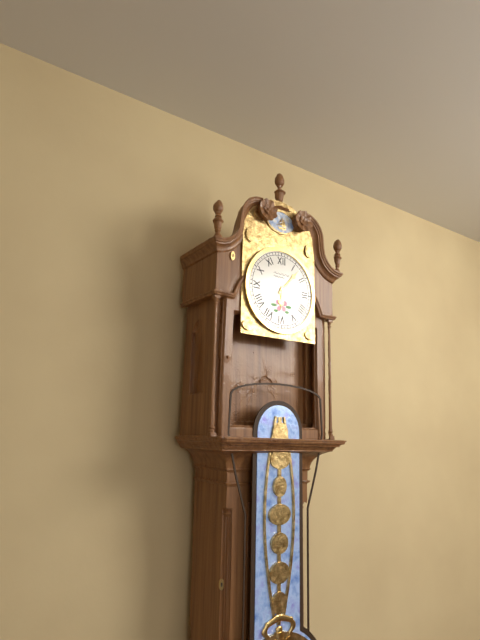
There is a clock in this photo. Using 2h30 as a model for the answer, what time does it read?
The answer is 6h07
